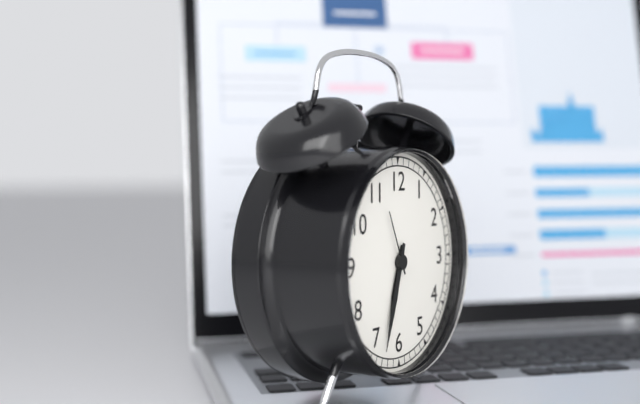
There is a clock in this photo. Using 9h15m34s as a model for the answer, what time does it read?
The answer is 6h33m56s
